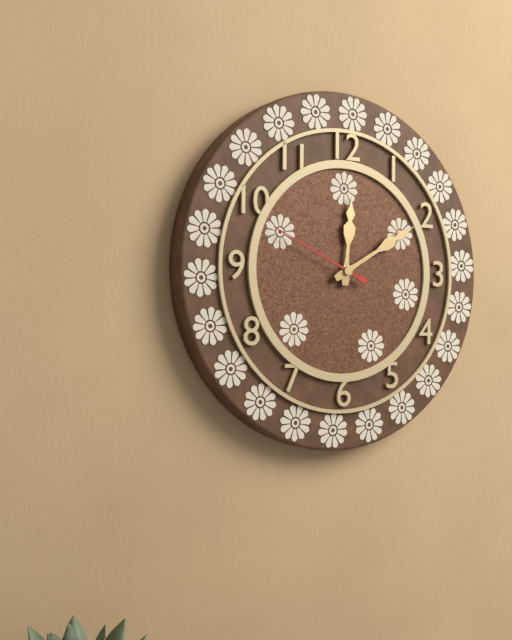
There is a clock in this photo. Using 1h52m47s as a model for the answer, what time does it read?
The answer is 12h10m49s
